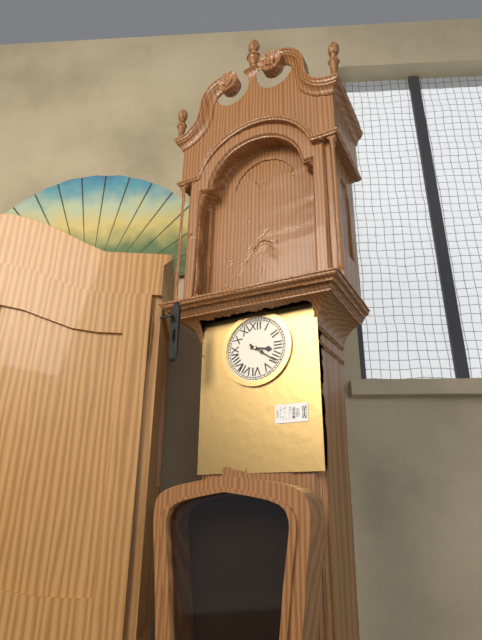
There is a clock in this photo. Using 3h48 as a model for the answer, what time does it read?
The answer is 3h21
